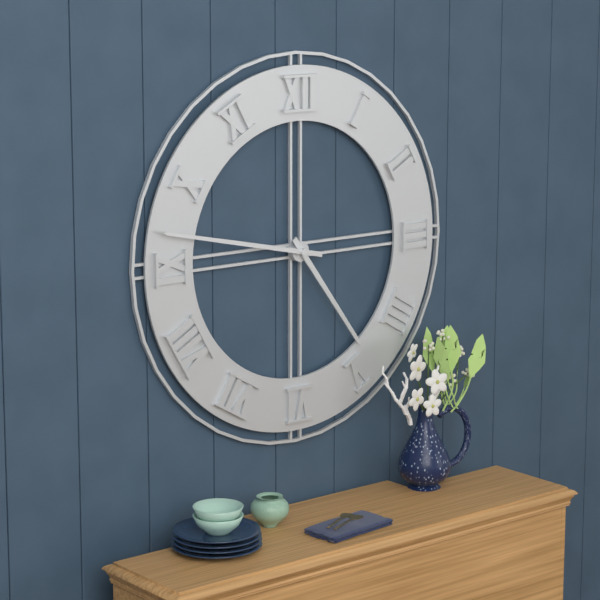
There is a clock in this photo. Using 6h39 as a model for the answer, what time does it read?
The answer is 4h47
